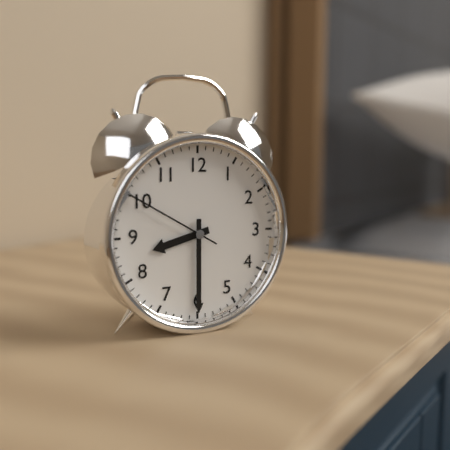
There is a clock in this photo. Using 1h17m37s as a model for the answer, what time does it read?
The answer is 8h30m50s
